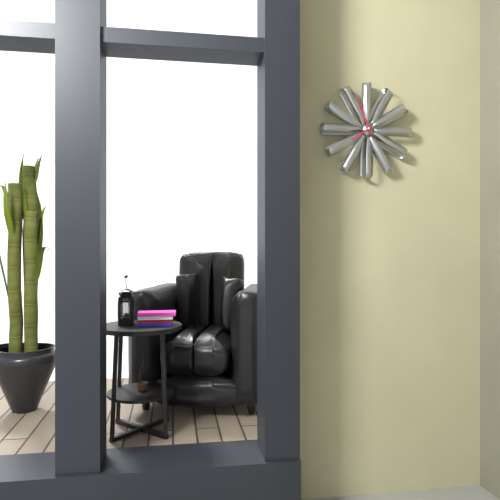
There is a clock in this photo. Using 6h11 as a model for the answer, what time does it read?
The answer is 7h56
